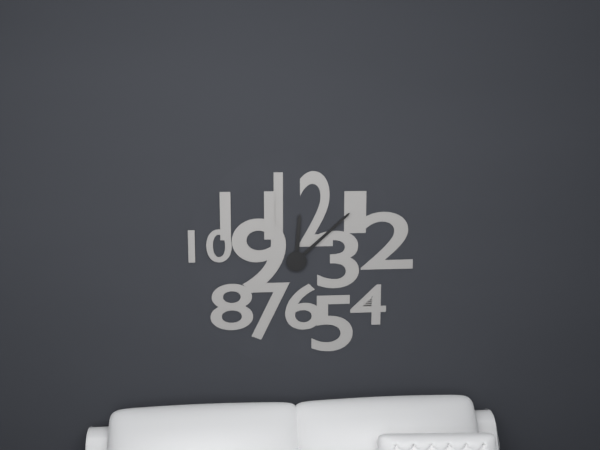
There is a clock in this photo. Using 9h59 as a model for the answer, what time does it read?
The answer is 12h08
